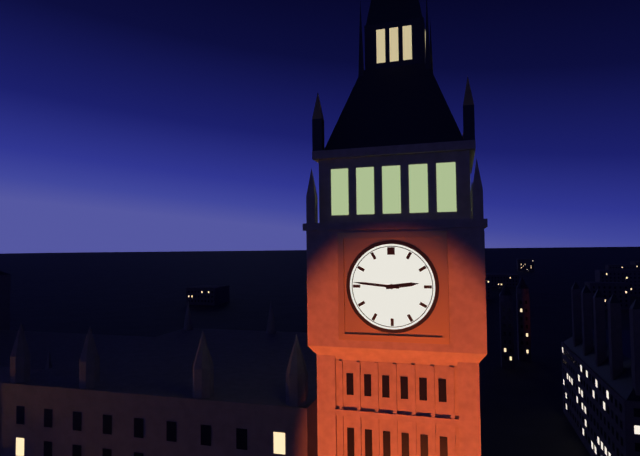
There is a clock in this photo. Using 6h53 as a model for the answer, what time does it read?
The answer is 2h46
